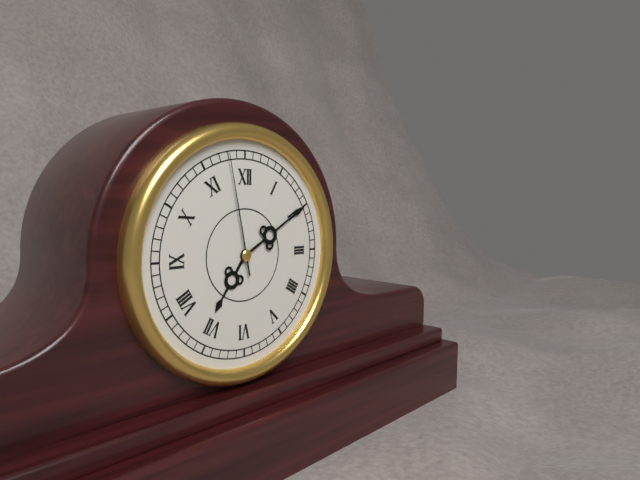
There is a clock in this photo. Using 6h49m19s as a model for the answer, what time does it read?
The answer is 7h10m58s
